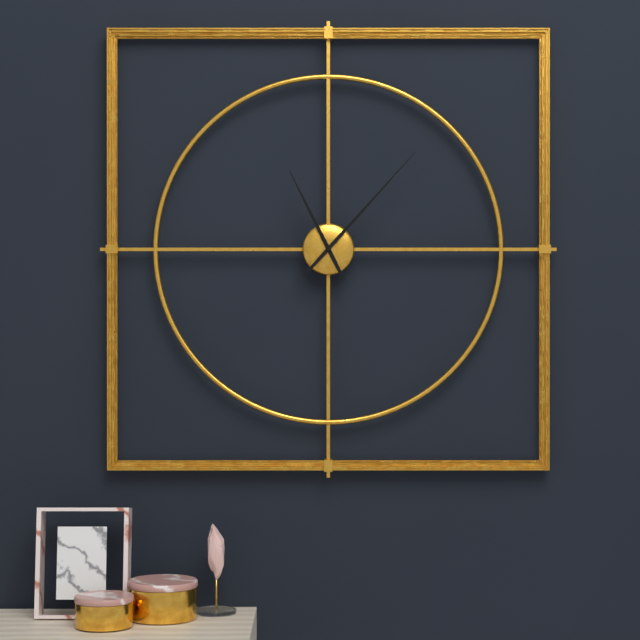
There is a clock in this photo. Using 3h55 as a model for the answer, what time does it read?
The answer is 11h07
